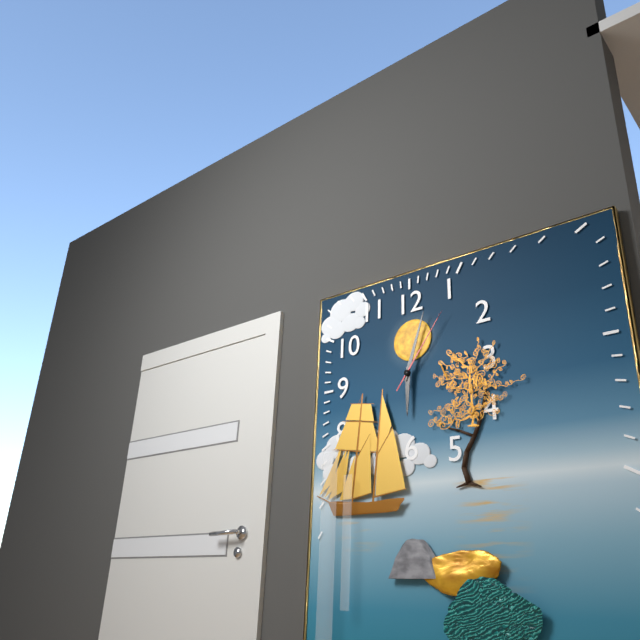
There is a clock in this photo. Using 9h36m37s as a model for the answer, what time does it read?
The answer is 6h03m06s
